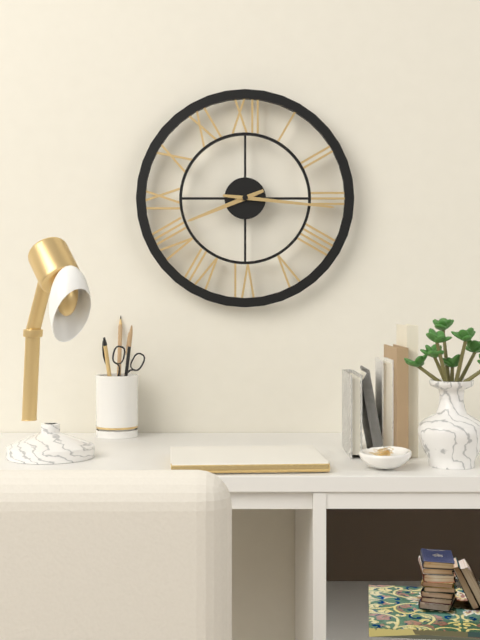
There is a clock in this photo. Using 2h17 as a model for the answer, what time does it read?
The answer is 8h16
